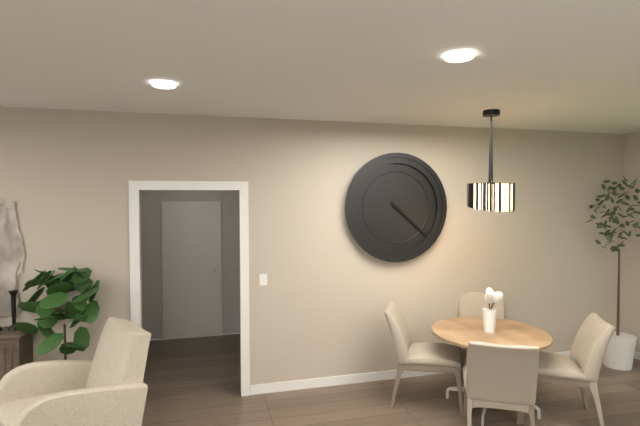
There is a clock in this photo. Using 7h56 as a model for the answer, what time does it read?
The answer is 4h22
